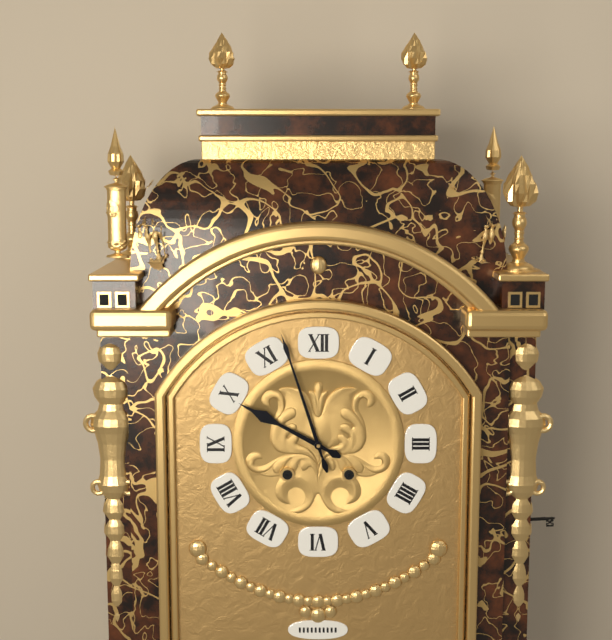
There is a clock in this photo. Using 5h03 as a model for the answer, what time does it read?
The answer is 9h57
